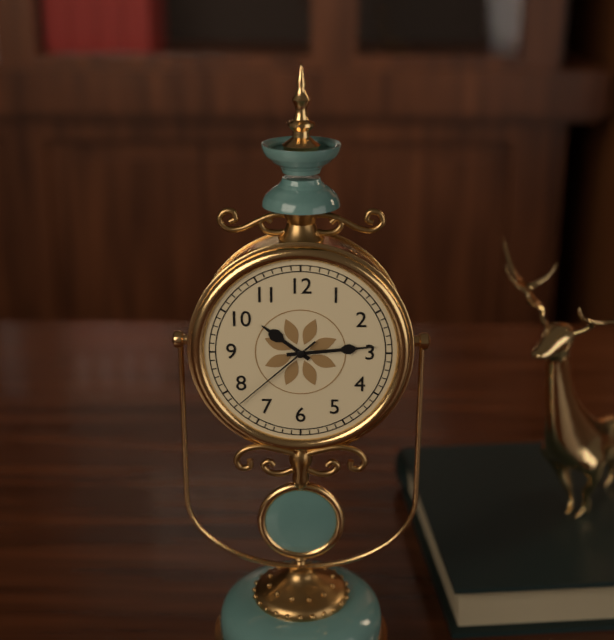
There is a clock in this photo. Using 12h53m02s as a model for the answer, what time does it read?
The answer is 10h14m38s
